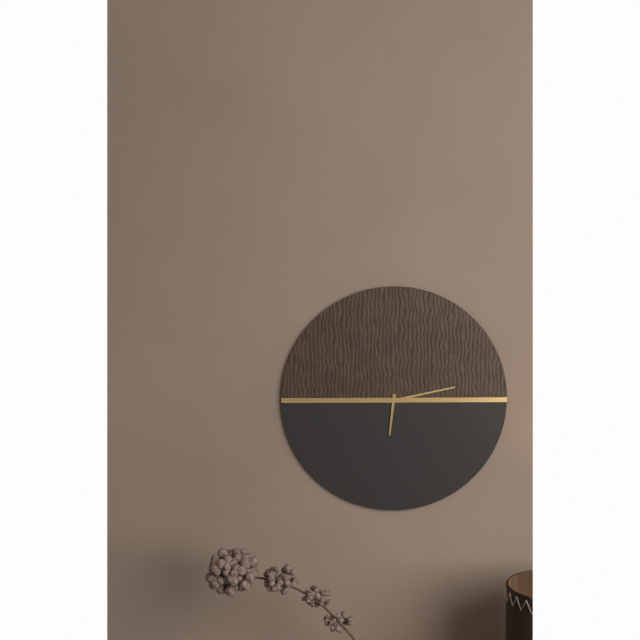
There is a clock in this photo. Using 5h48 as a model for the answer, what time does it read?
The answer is 6h13
